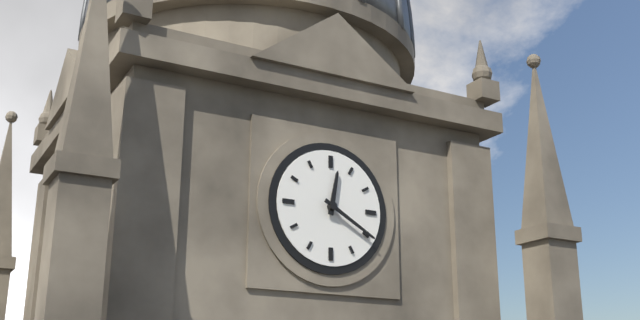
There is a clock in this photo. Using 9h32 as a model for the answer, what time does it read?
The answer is 12h20
